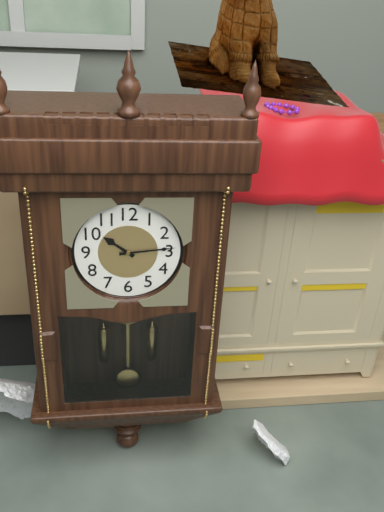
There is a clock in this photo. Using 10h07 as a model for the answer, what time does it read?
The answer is 10h14
